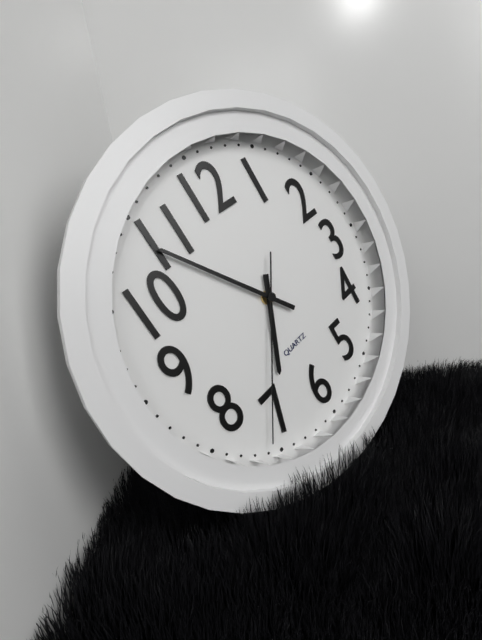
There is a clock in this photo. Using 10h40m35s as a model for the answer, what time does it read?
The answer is 6h54m36s
